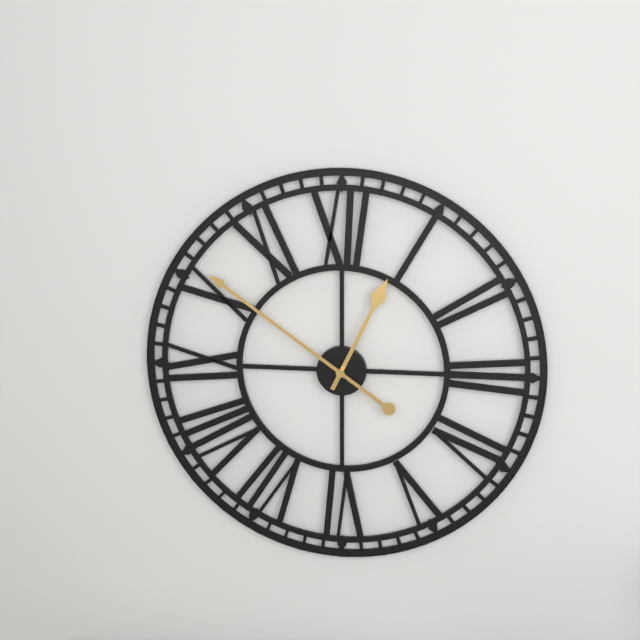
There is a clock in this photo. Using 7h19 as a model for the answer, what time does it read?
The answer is 12h51
